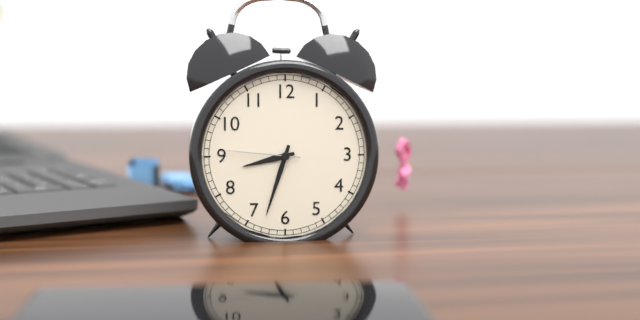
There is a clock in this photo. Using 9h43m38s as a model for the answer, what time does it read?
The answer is 8h33m46s
